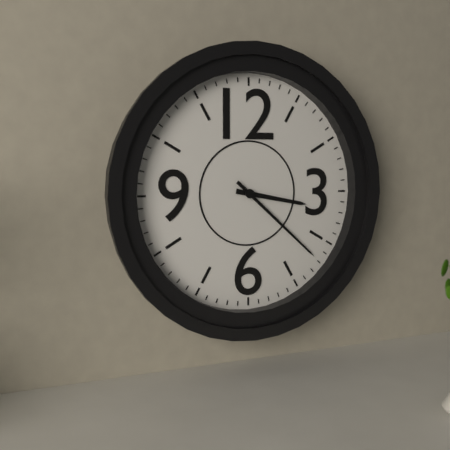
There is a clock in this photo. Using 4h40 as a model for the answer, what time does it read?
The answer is 3h22
